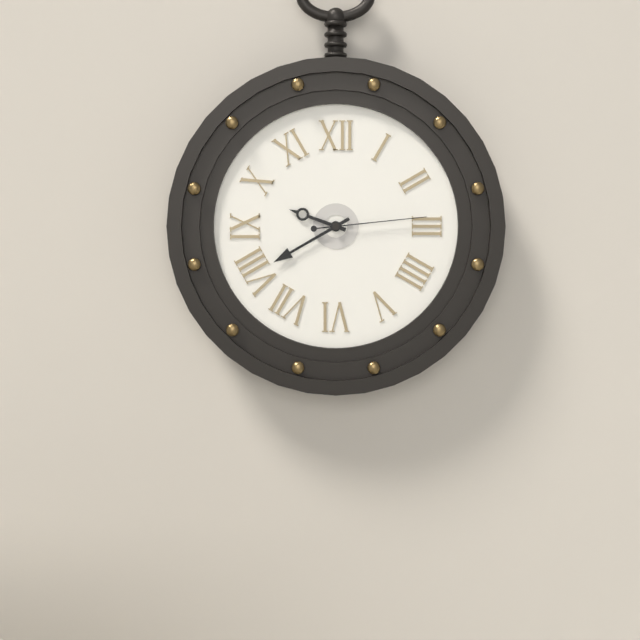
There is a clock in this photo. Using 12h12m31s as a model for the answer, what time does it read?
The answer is 9h40m14s
